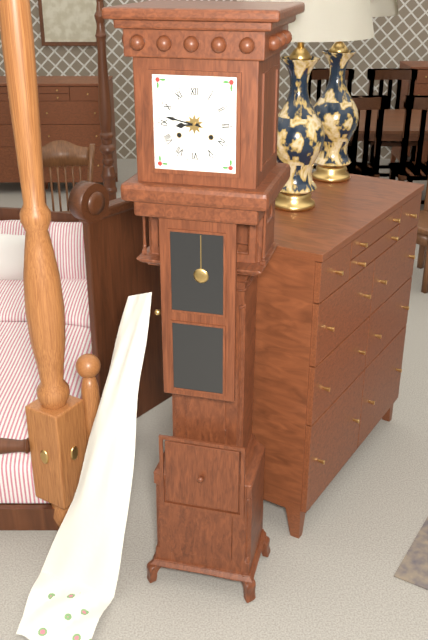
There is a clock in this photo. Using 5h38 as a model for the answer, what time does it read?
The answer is 8h47
